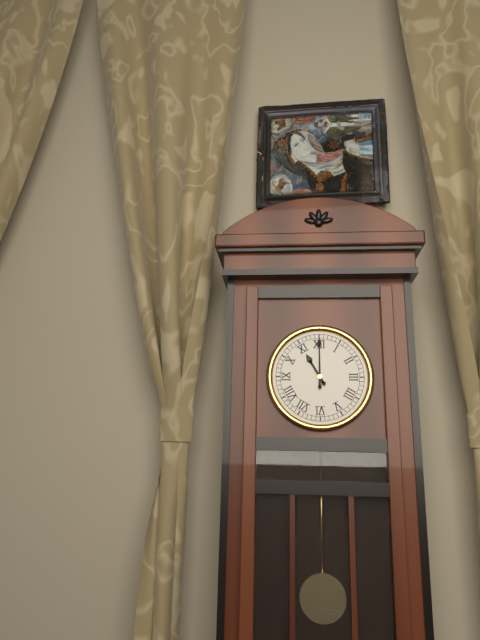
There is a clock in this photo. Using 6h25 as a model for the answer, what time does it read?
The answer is 11h00
